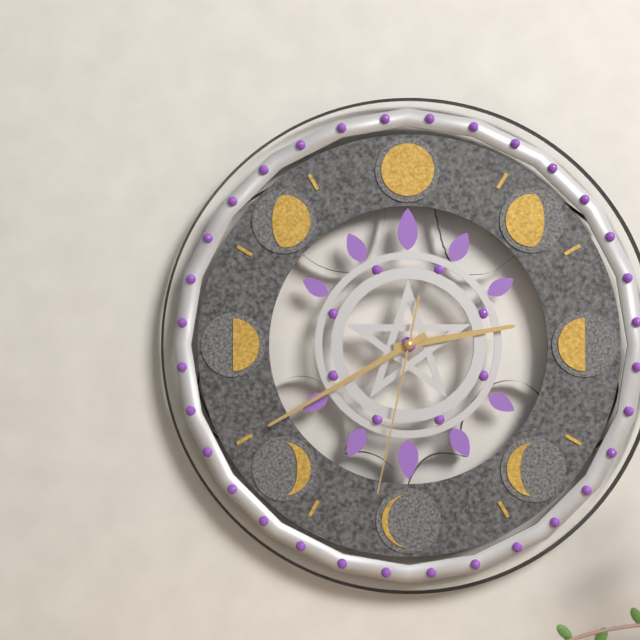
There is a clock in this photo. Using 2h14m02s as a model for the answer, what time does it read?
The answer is 2h40m32s
